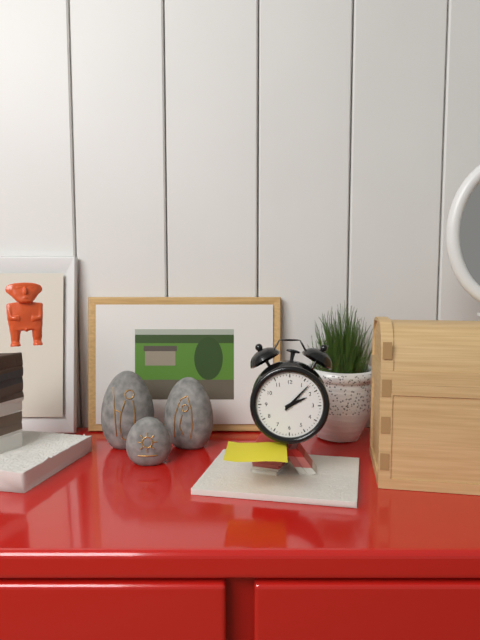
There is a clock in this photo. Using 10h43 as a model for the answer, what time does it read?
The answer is 2h07
